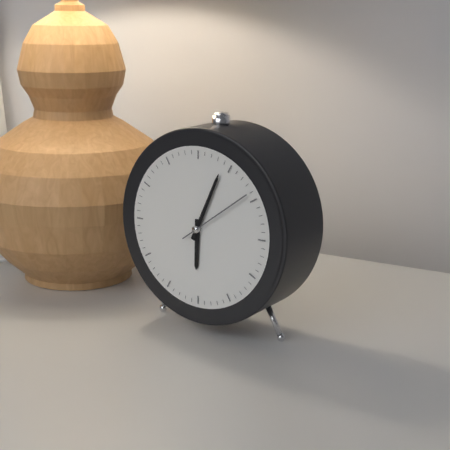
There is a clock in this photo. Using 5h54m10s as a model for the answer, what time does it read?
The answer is 6h04m09s
